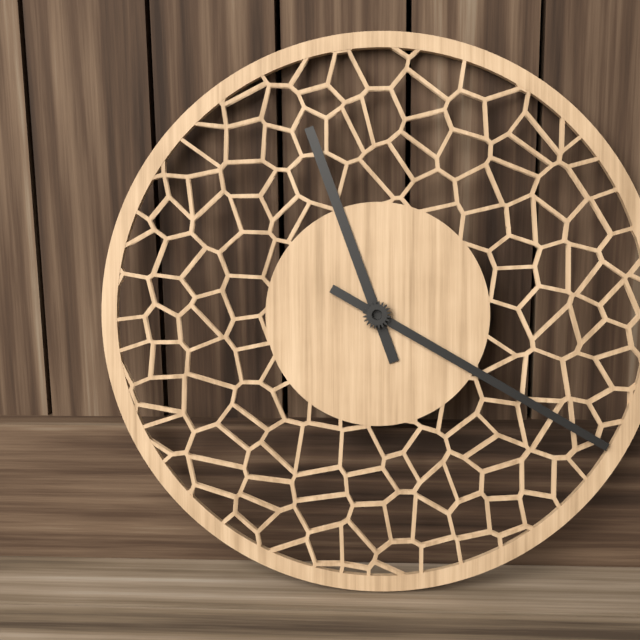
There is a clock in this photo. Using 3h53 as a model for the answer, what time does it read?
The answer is 11h20
